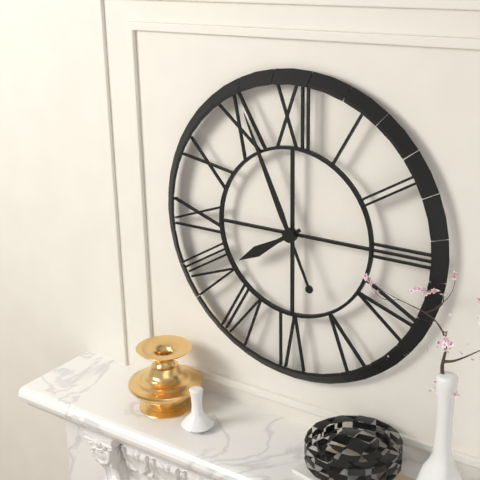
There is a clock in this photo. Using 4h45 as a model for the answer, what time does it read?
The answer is 7h56
